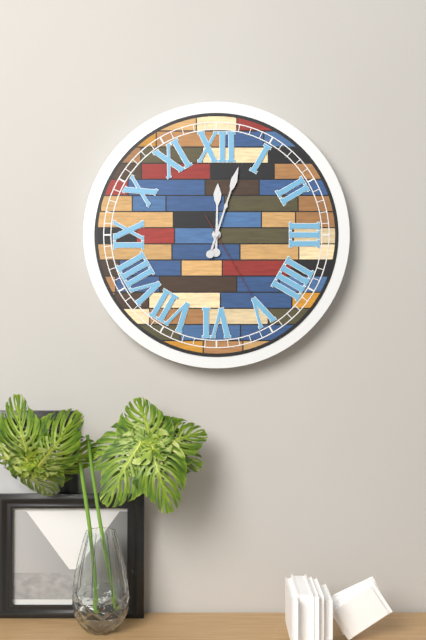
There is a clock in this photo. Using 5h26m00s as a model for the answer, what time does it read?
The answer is 12h03m25s
